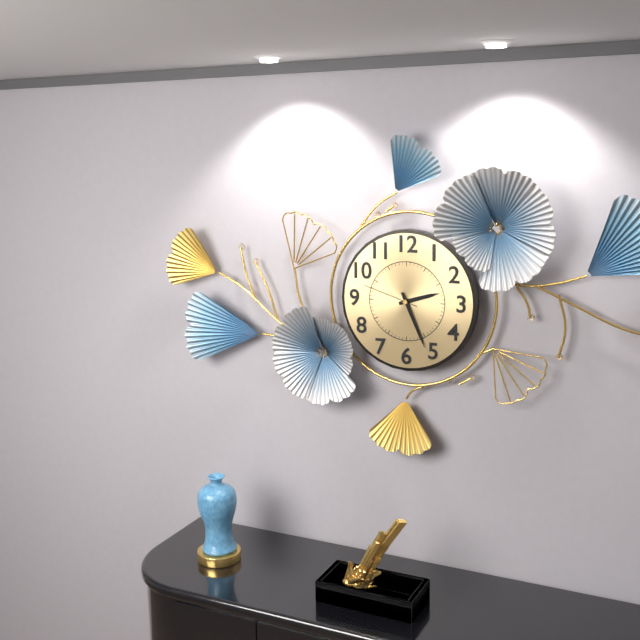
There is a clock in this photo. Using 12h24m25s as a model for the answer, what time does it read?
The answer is 2h26m48s
